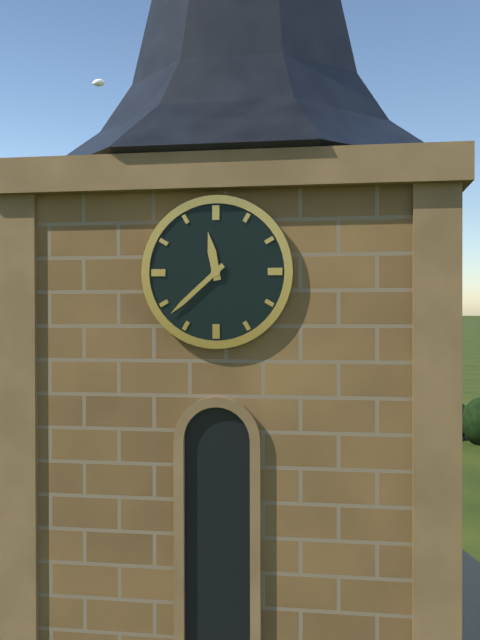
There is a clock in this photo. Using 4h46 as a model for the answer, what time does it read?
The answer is 11h38
